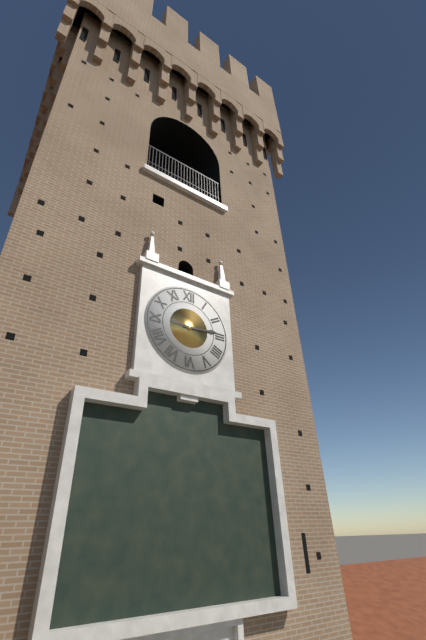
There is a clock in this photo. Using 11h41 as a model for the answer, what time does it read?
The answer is 9h14
